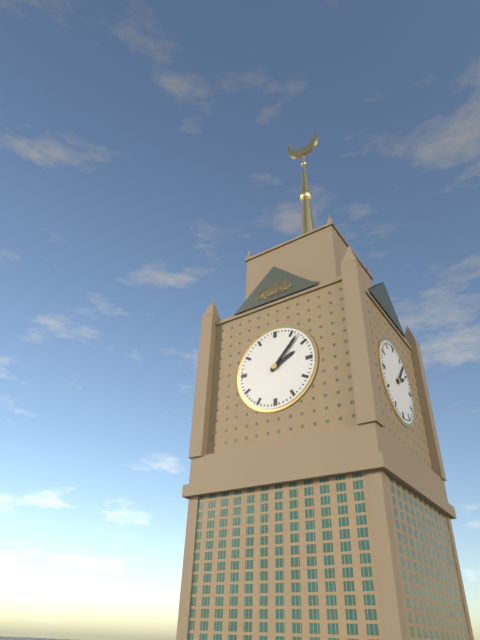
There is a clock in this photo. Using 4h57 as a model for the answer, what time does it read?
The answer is 2h07
